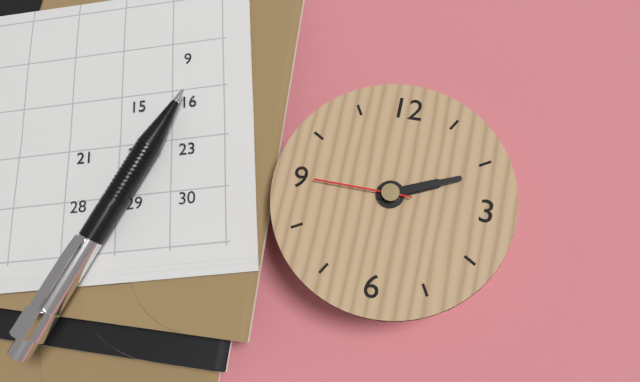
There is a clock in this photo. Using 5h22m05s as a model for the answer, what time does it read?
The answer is 2h11m45s
